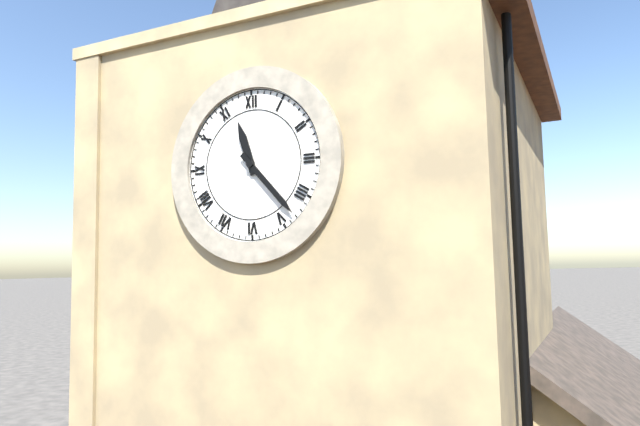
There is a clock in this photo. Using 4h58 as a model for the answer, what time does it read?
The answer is 11h23
